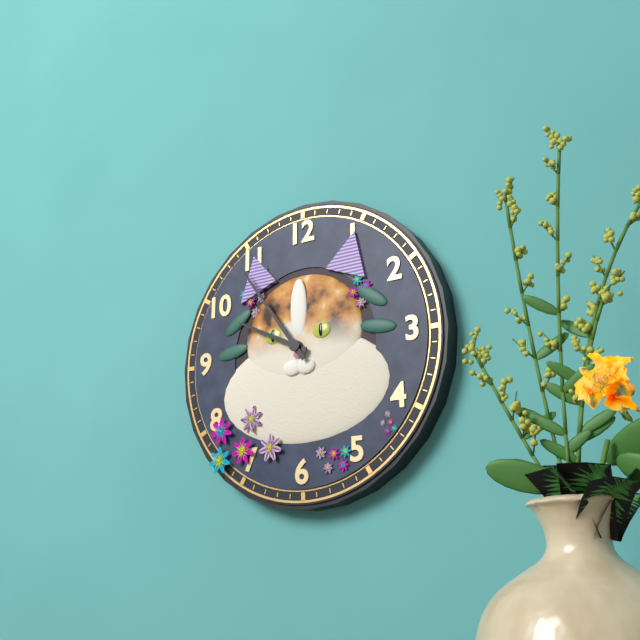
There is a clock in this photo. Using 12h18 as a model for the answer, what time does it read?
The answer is 9h54
